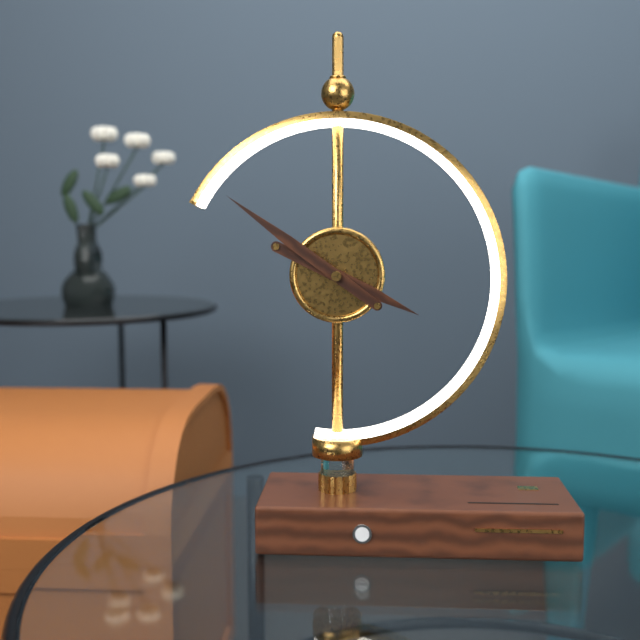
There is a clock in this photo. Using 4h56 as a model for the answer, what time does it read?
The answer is 3h51
